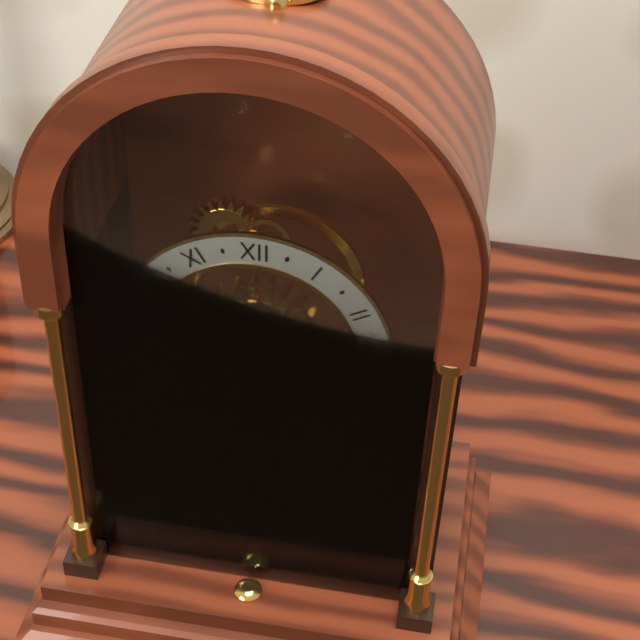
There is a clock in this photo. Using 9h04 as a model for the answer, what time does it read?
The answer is 6h29
